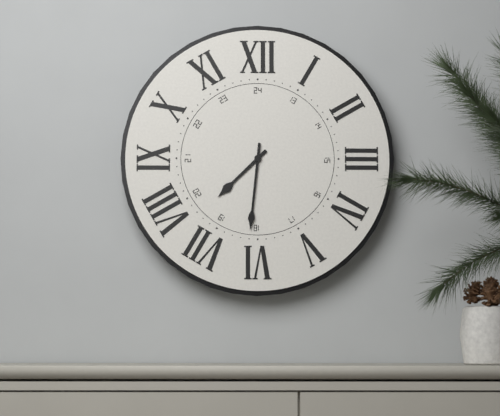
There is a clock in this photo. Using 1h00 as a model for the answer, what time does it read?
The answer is 7h31
